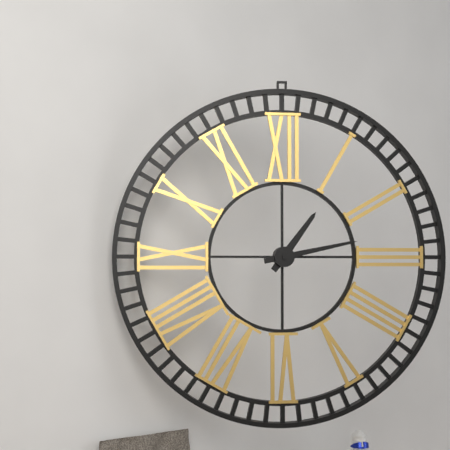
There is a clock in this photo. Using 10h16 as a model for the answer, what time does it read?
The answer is 1h13
